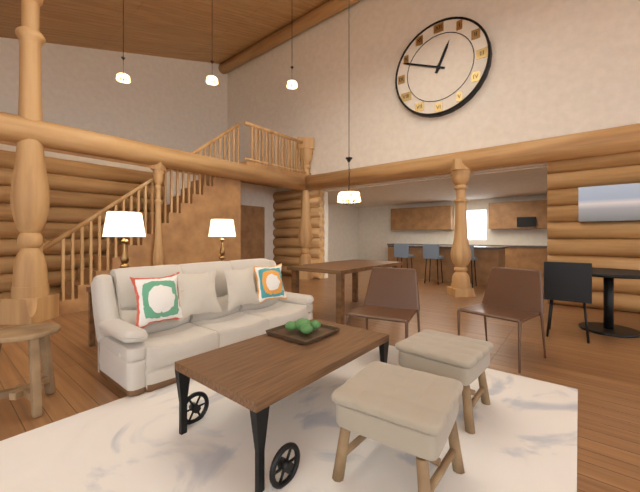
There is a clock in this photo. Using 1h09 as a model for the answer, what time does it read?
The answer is 12h49
